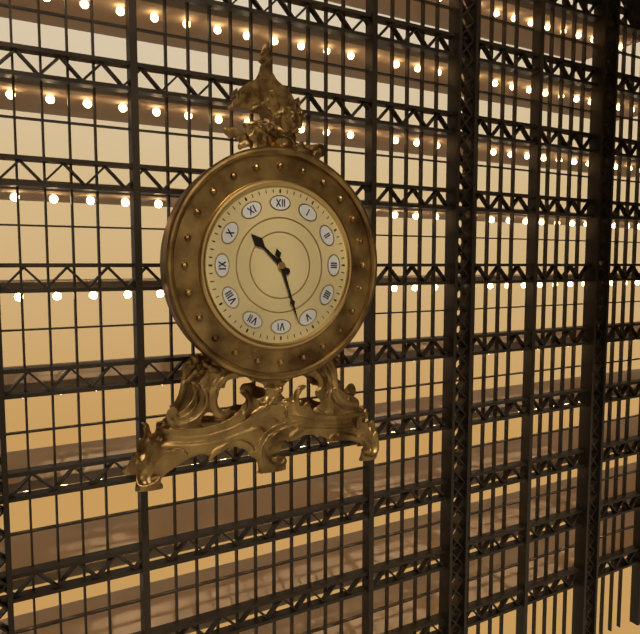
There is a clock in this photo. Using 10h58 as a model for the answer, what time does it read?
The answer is 10h27
